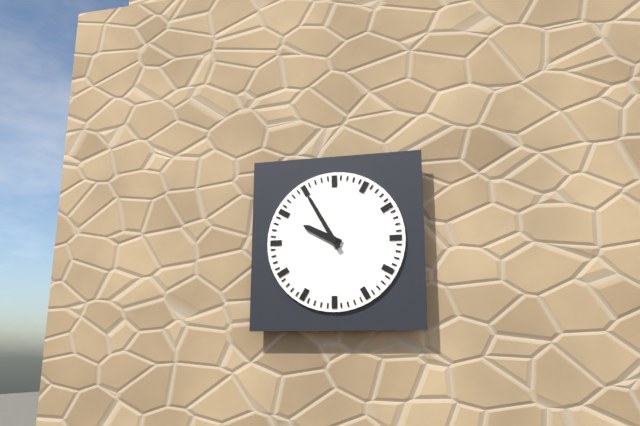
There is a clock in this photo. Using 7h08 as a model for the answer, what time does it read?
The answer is 9h55
